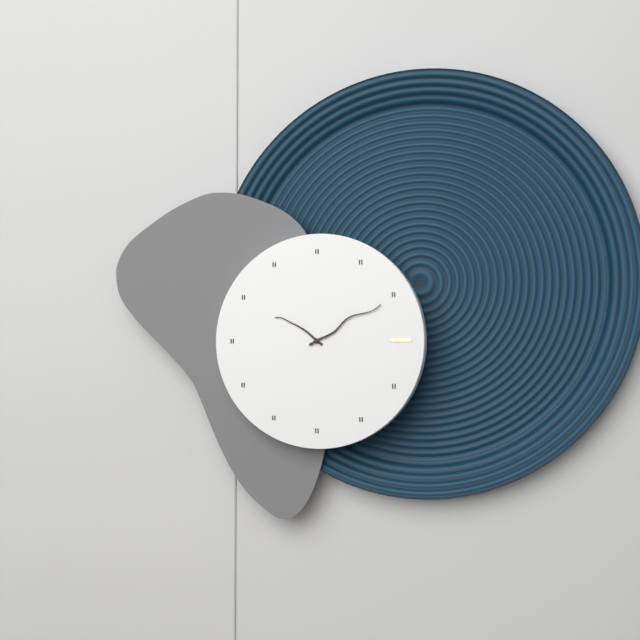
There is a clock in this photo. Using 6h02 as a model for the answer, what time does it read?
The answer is 10h10
